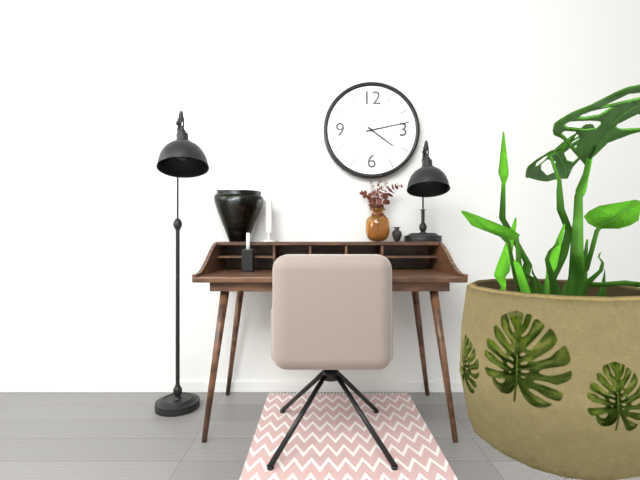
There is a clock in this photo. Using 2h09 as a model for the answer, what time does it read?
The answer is 4h13
